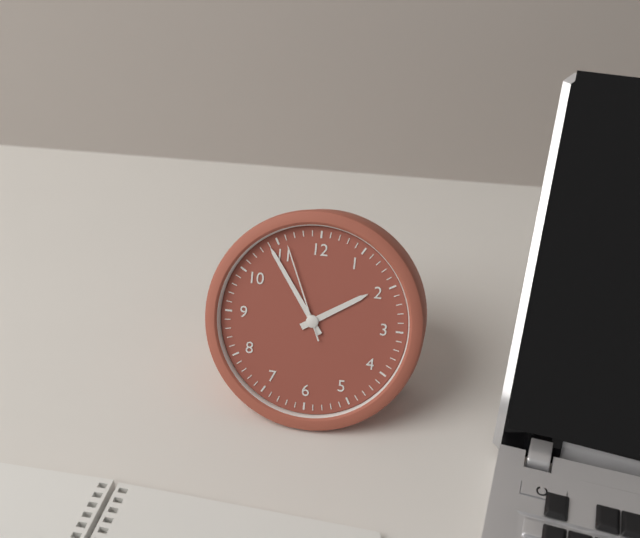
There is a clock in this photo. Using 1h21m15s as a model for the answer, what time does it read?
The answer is 1h54m56s
